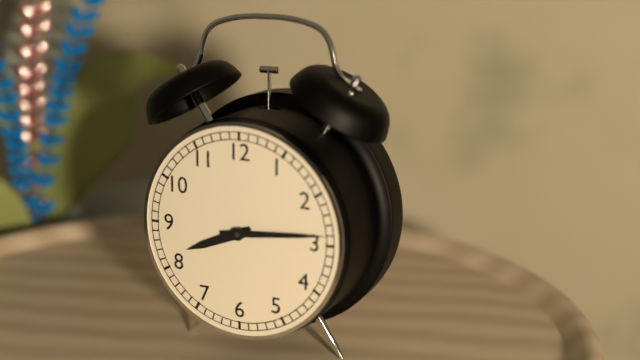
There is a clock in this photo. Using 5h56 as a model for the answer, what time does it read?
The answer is 8h14
